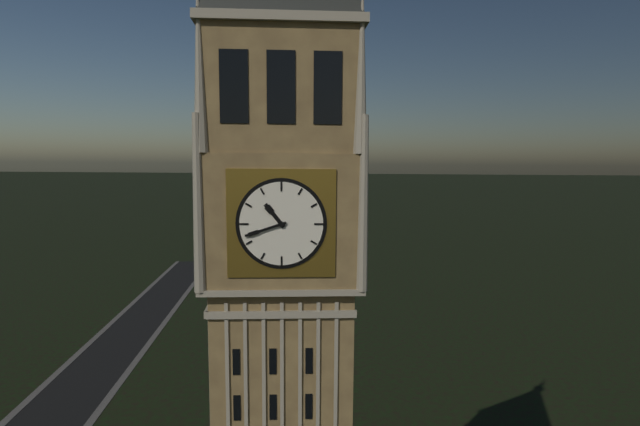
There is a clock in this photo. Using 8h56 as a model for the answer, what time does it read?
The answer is 10h42
